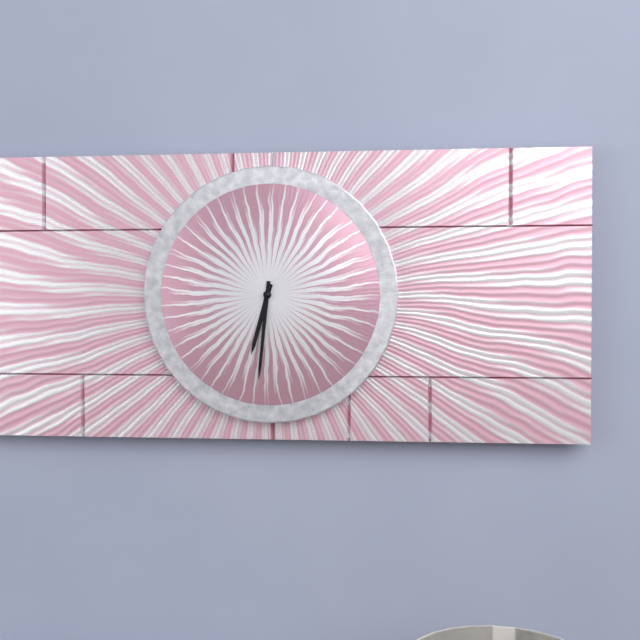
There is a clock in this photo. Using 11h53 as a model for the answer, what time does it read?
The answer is 6h31
